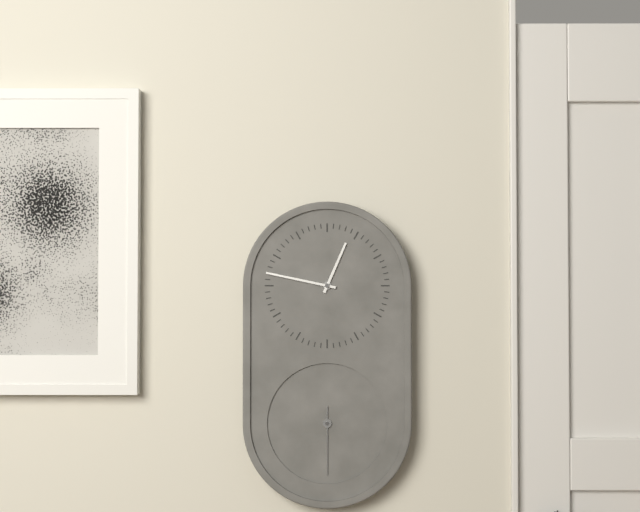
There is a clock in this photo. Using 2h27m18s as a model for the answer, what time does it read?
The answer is 12h47m30s
